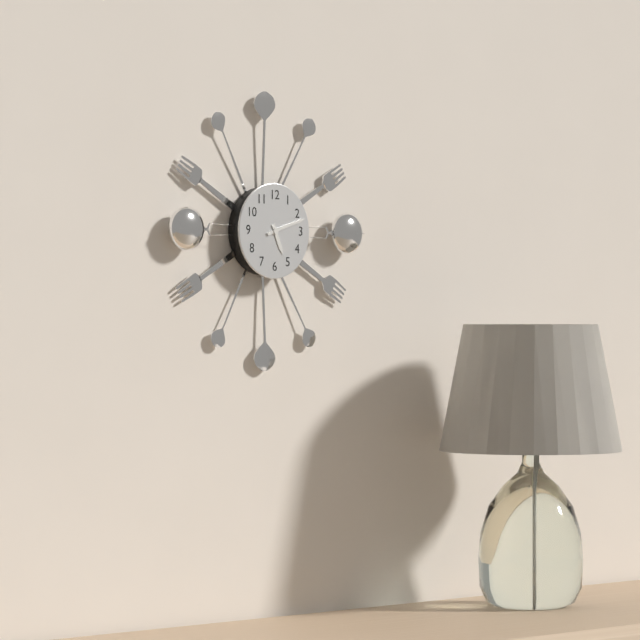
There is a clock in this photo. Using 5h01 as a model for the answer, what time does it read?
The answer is 5h12
